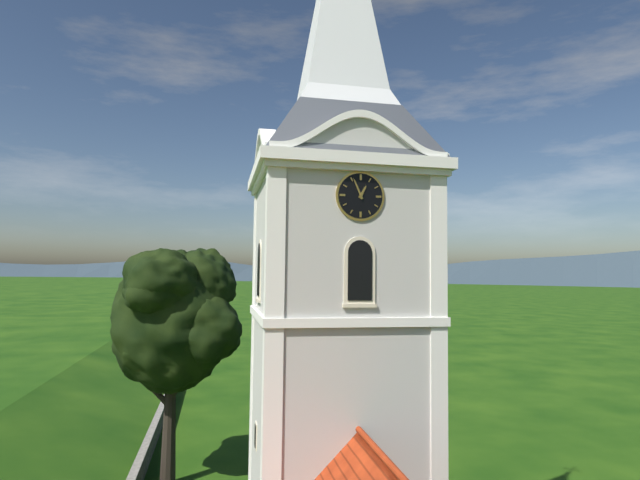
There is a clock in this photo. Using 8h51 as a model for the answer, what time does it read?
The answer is 12h56
